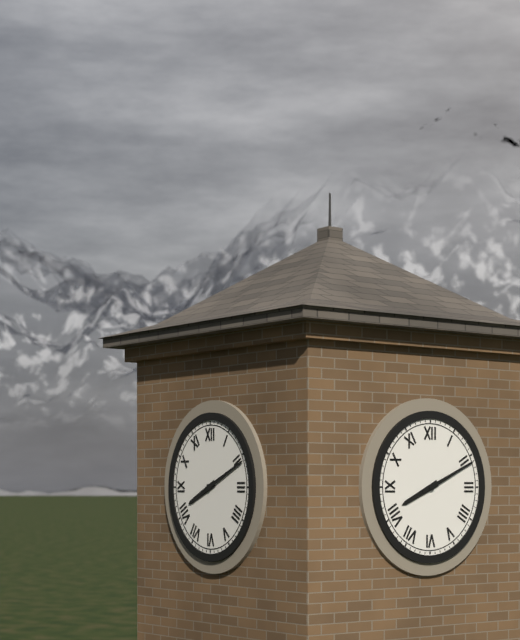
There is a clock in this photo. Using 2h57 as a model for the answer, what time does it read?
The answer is 8h11
